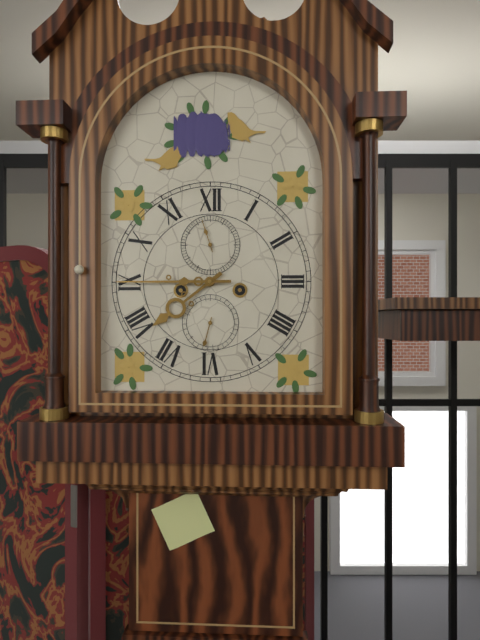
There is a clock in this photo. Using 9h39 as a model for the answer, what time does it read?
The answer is 7h45
